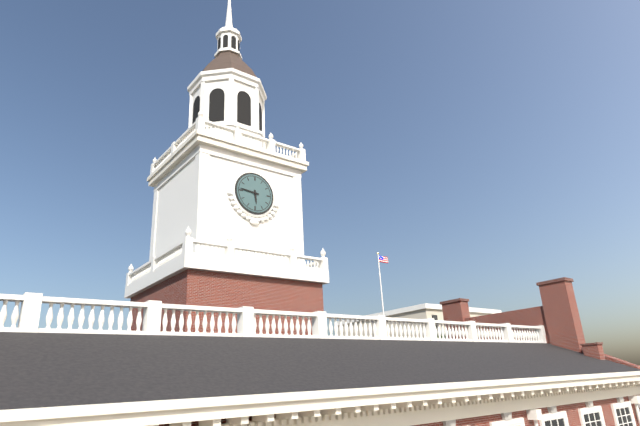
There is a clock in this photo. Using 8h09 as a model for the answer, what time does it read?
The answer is 5h46
